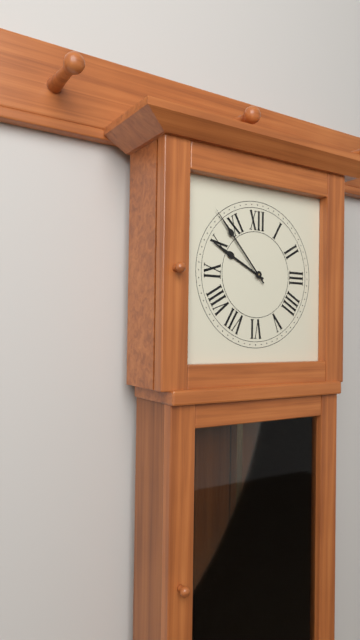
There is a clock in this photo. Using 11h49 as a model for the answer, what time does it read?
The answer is 9h53
